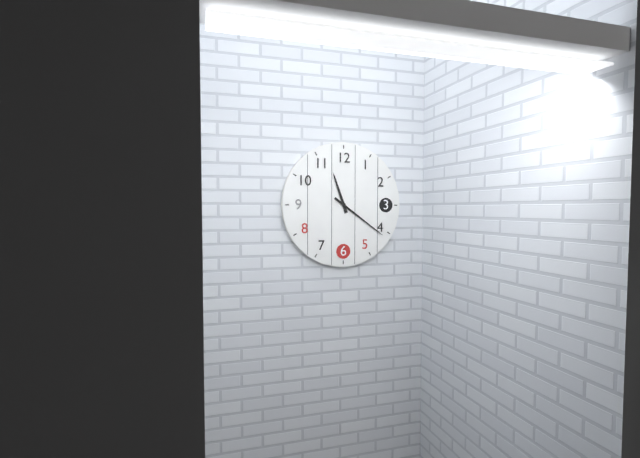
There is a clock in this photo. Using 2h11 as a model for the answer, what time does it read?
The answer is 11h21
